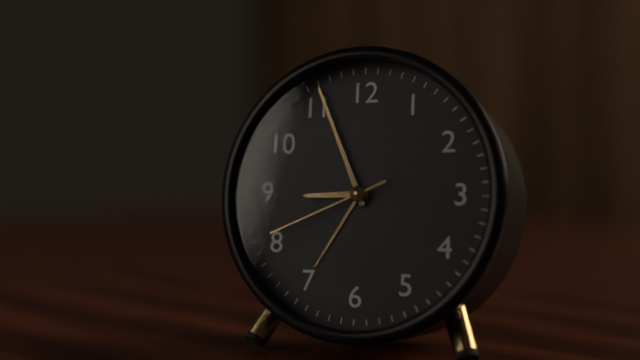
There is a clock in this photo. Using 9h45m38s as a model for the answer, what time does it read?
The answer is 8h56m41s
